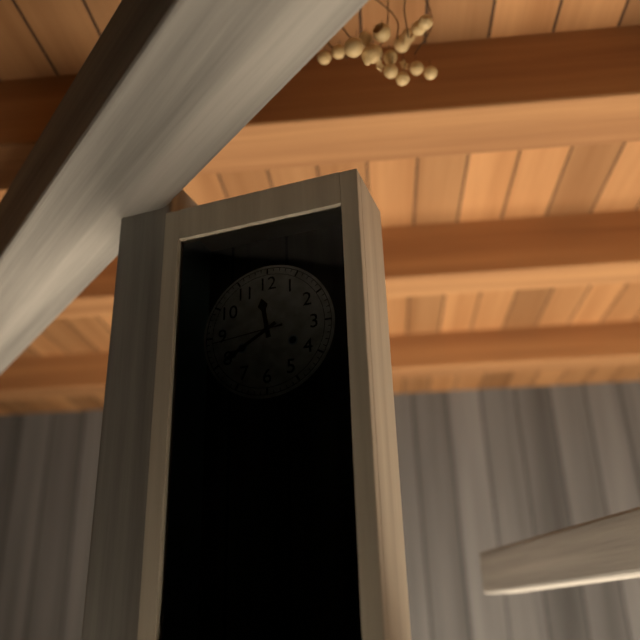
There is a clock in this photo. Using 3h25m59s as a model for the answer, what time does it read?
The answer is 11h40m44s
